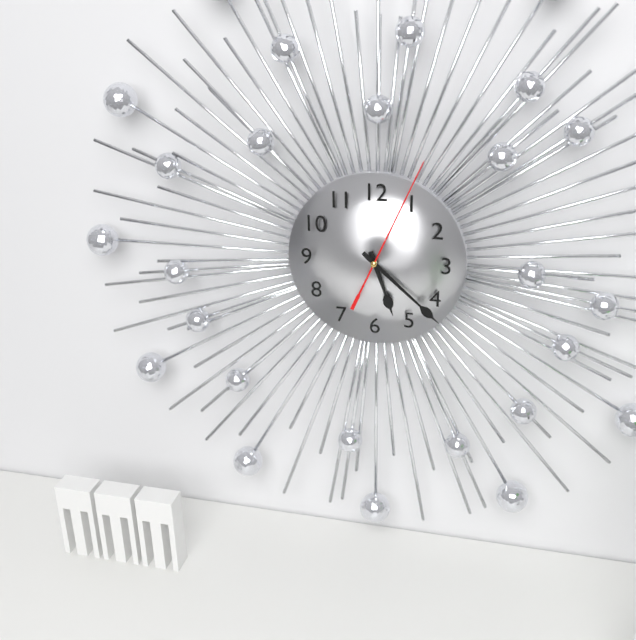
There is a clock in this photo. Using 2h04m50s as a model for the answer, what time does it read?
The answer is 5h22m04s
